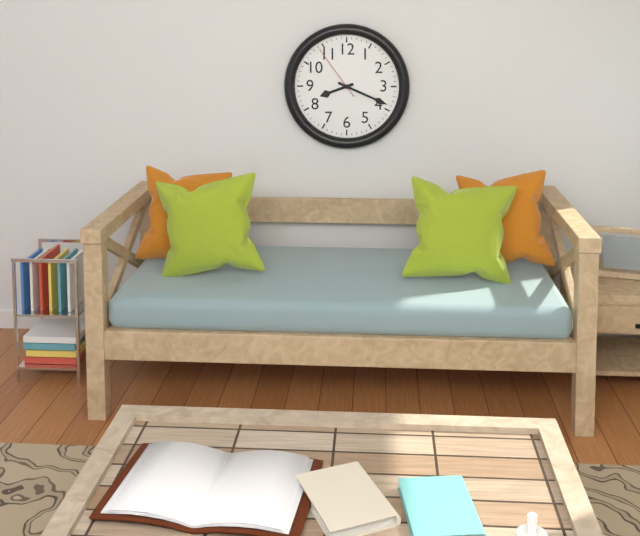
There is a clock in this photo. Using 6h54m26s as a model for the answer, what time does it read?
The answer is 8h19m54s
